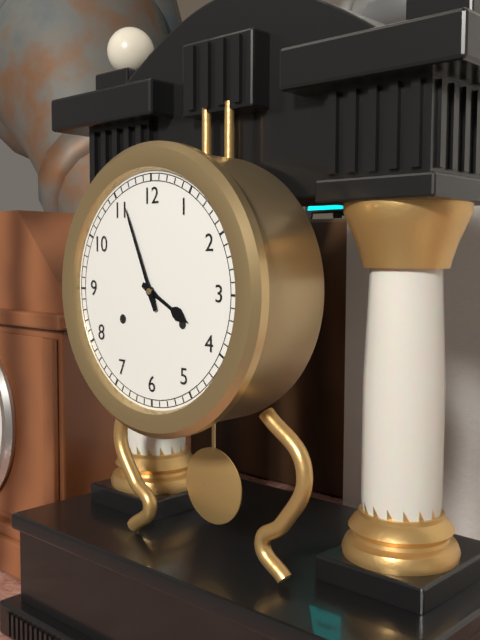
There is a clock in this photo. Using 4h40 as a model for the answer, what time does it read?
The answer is 3h56
